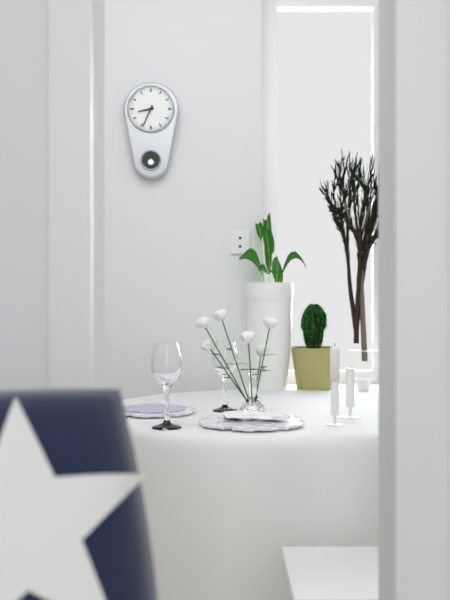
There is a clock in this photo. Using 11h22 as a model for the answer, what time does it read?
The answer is 8h34
